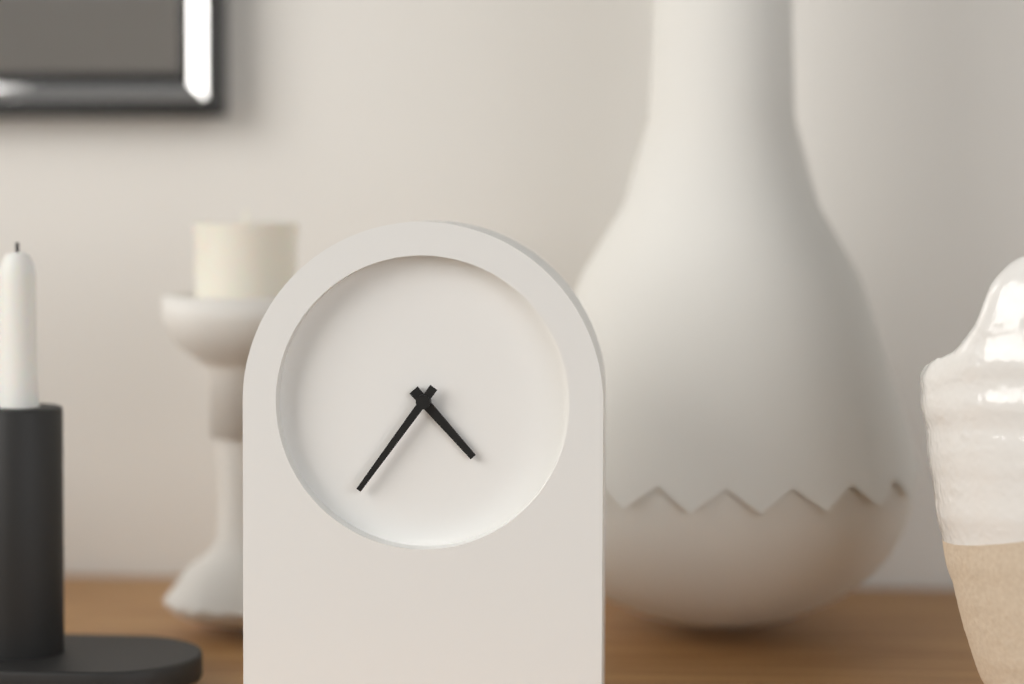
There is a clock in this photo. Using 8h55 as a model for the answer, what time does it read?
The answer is 4h36
